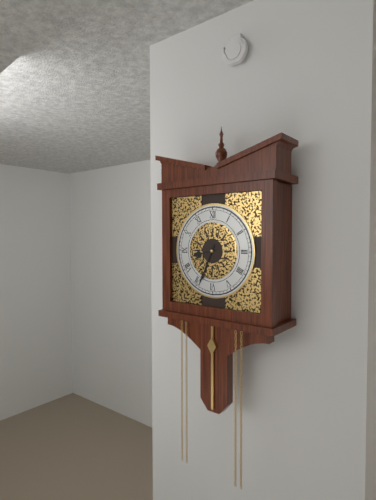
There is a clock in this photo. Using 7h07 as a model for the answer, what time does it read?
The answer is 8h34
